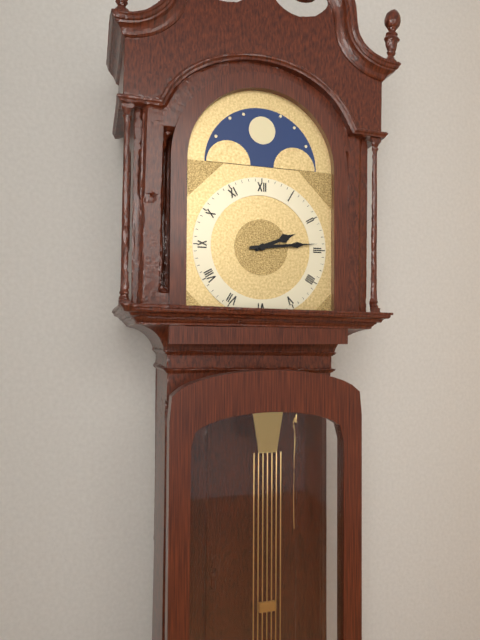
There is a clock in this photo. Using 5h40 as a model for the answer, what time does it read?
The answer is 2h14
